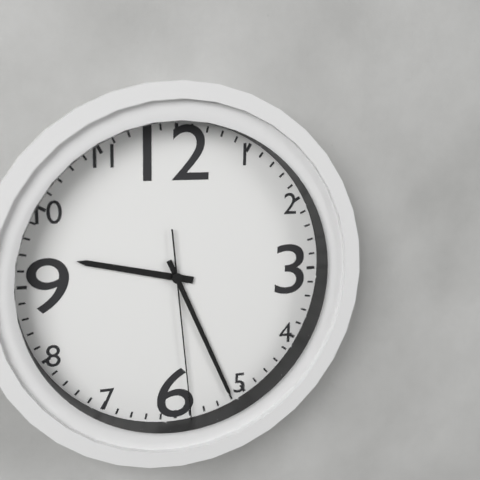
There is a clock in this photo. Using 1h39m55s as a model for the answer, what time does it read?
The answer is 9h26m29s
